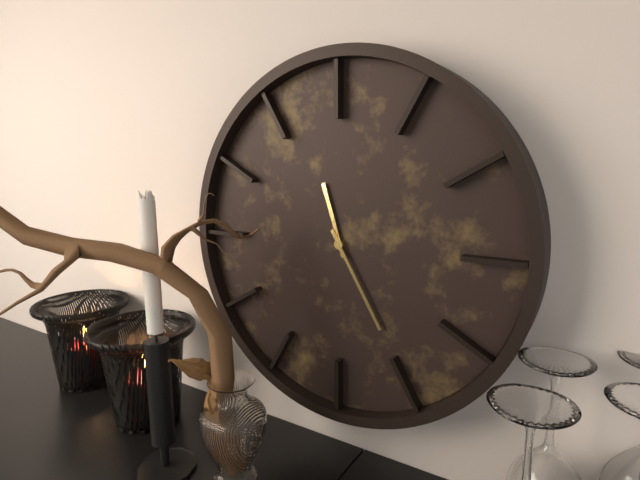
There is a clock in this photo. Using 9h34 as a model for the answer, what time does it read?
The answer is 11h25
